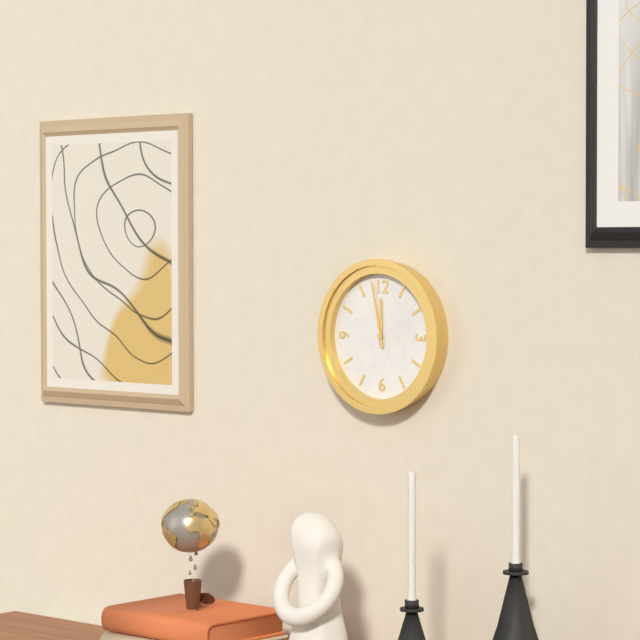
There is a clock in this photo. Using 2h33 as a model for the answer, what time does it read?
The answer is 11h58
